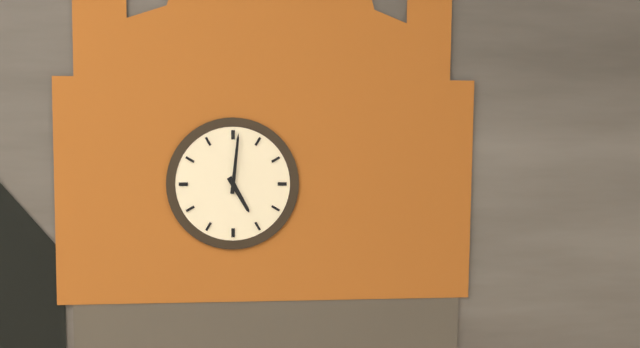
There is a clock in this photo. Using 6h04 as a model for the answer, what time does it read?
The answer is 5h01
